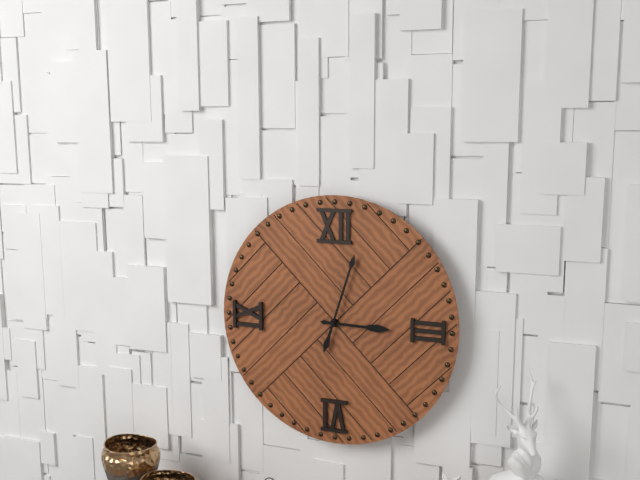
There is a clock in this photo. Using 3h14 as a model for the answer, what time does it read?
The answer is 3h03
